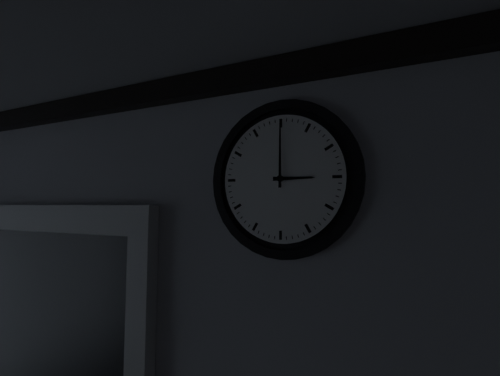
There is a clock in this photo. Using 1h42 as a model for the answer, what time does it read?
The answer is 3h00
